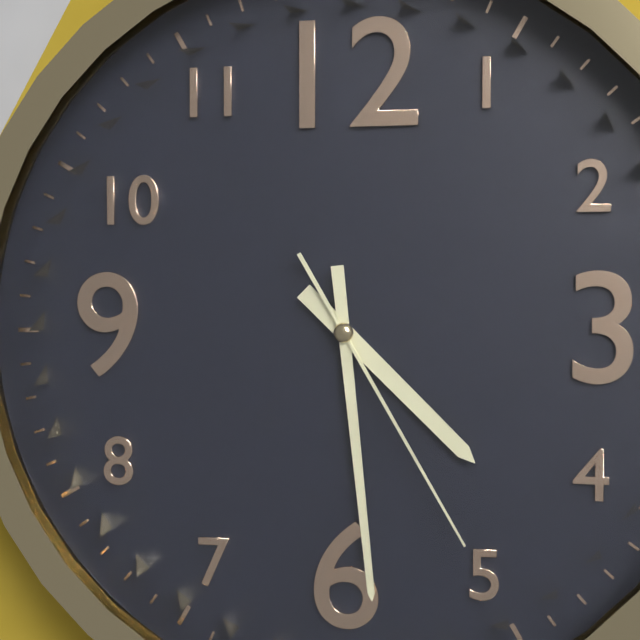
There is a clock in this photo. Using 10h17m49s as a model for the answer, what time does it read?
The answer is 4h29m25s
